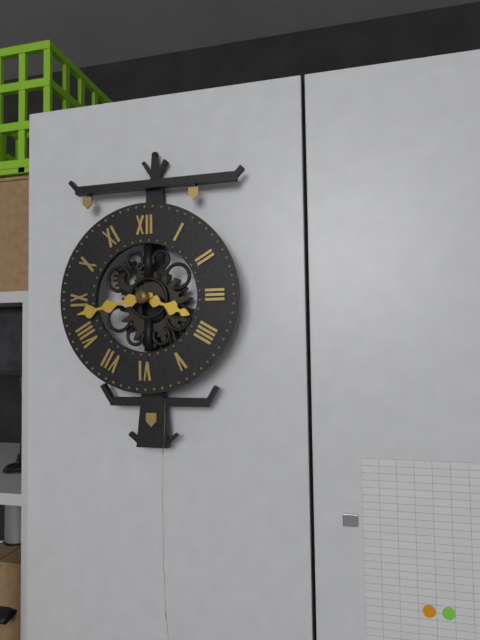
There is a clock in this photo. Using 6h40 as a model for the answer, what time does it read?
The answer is 3h43
